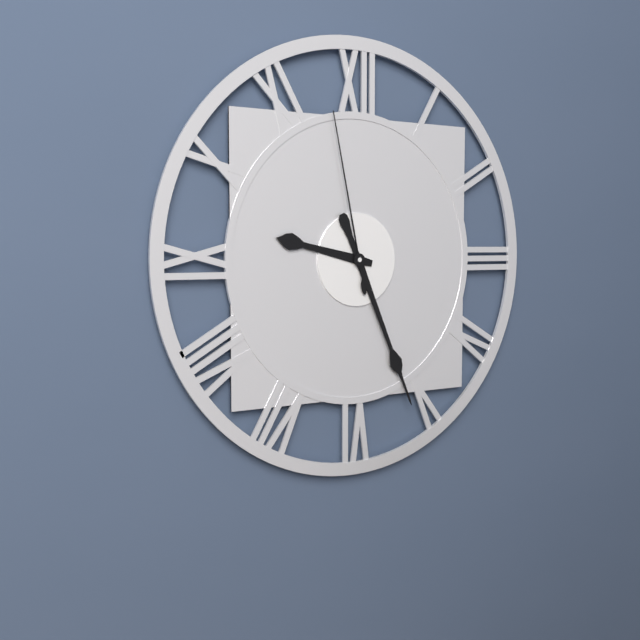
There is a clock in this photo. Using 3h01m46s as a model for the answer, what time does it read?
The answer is 9h26m58s
